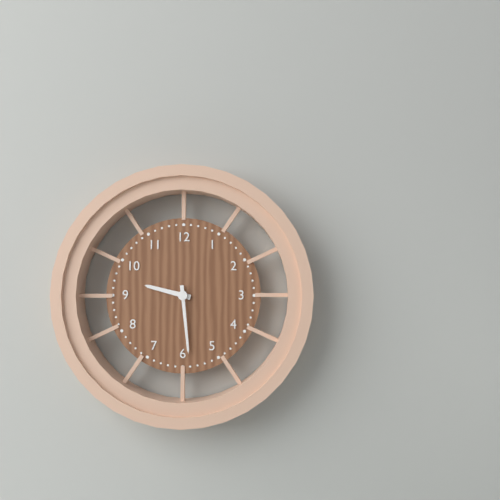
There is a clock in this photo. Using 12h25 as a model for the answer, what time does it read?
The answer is 9h29
